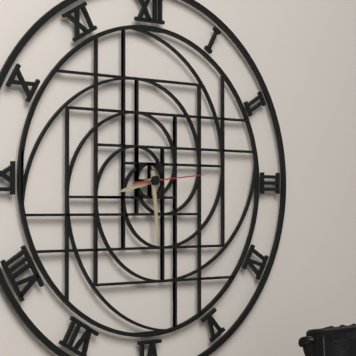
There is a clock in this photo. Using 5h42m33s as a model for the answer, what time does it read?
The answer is 8h29m14s
